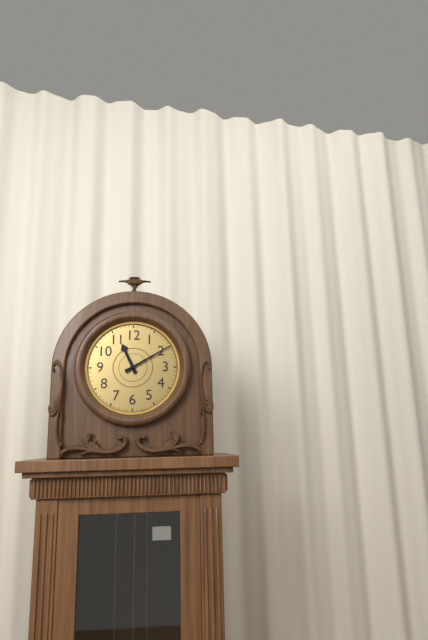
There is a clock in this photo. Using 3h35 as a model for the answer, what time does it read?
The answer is 11h10
